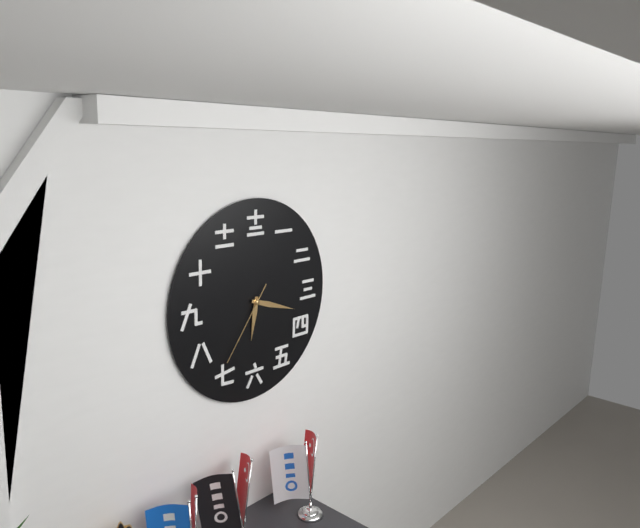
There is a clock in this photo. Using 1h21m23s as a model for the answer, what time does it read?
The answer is 6h18m36s
